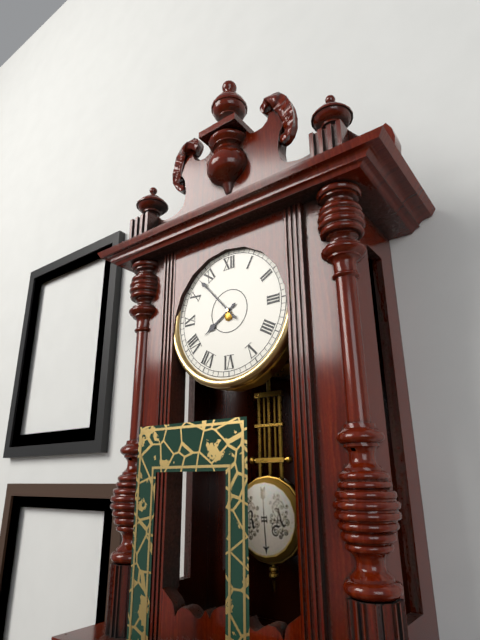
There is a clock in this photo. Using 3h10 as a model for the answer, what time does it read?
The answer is 7h53
